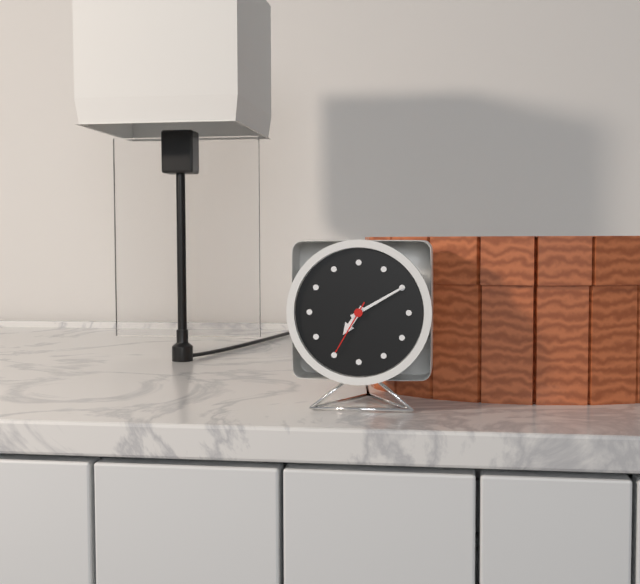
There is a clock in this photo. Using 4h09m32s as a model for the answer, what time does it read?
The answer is 7h10m35s
